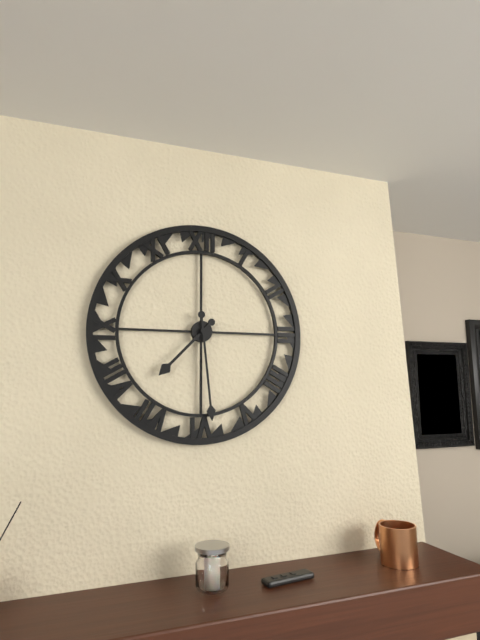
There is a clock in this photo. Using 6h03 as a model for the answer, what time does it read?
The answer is 7h29
